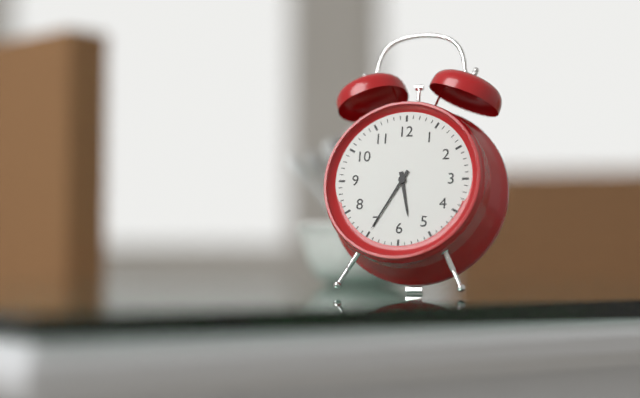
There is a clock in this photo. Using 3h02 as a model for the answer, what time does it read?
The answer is 5h35
